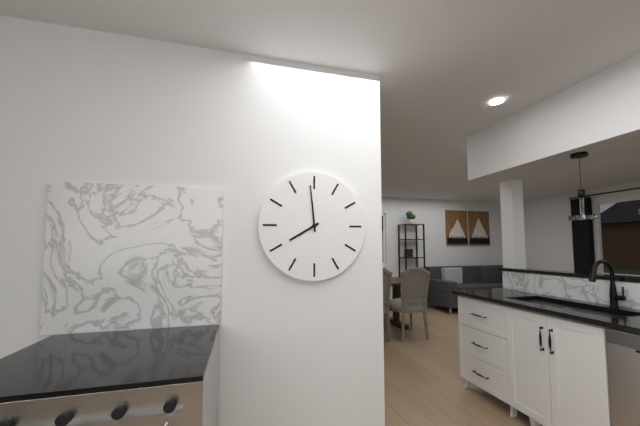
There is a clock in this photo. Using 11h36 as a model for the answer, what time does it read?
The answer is 7h59
